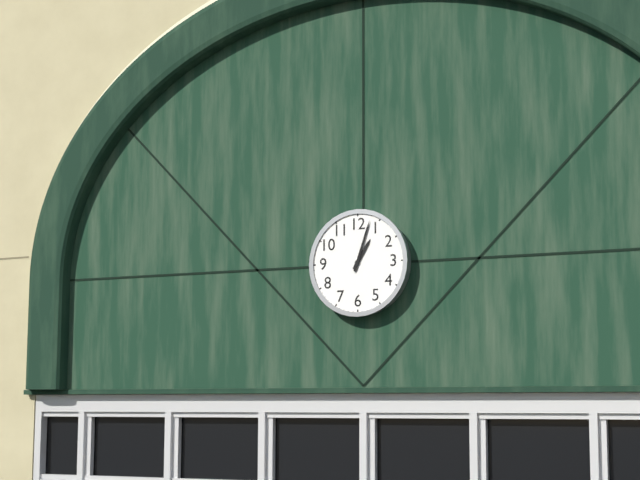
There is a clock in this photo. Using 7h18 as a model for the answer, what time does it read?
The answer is 1h03
